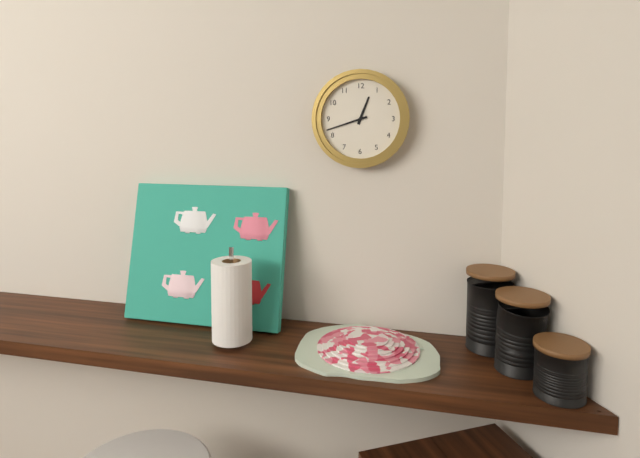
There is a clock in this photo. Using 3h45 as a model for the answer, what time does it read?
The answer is 12h42
